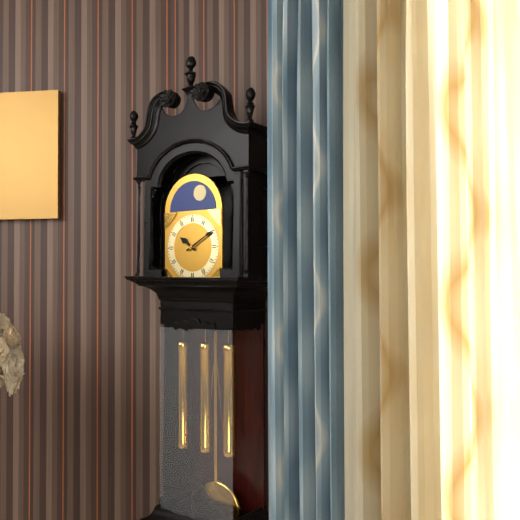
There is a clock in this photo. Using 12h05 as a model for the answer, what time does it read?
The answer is 10h10
